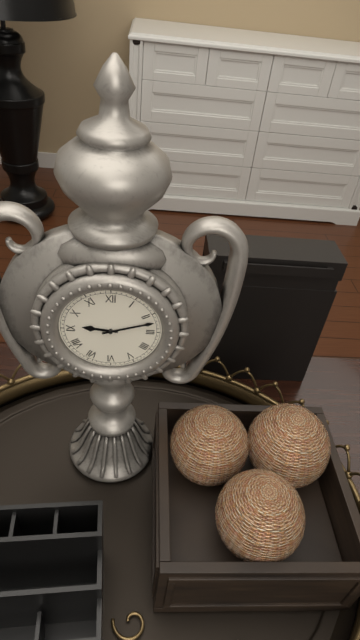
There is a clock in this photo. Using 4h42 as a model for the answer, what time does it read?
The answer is 9h12
